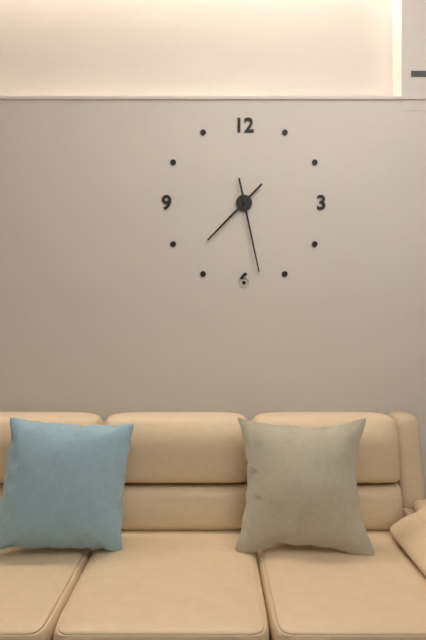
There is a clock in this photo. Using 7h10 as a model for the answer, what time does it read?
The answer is 7h28
